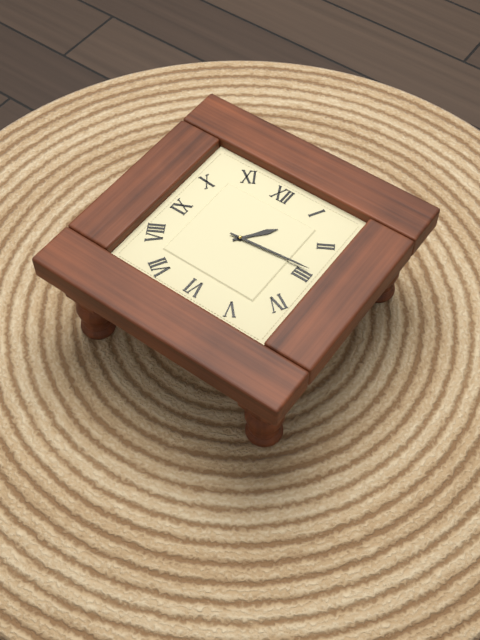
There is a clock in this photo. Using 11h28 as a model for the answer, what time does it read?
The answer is 1h14
